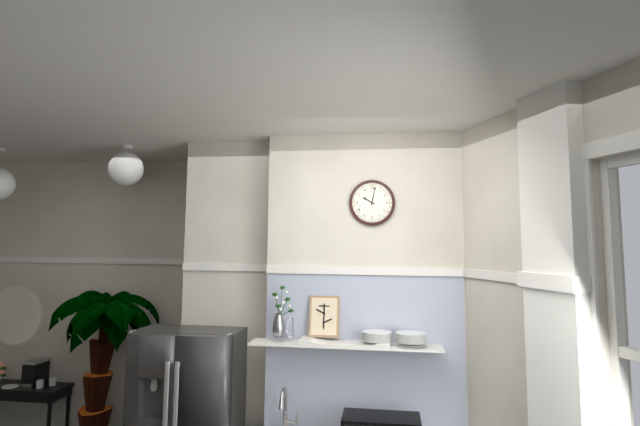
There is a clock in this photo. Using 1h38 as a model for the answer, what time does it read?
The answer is 10h02
